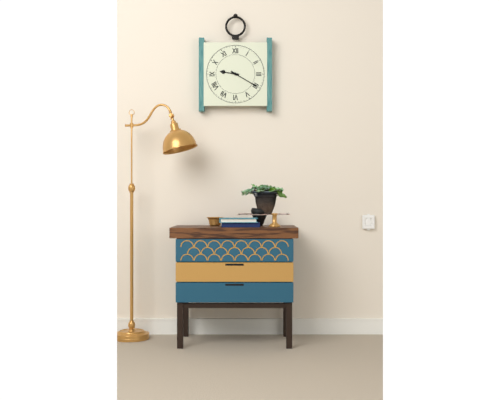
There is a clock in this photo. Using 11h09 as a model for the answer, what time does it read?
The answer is 9h20
